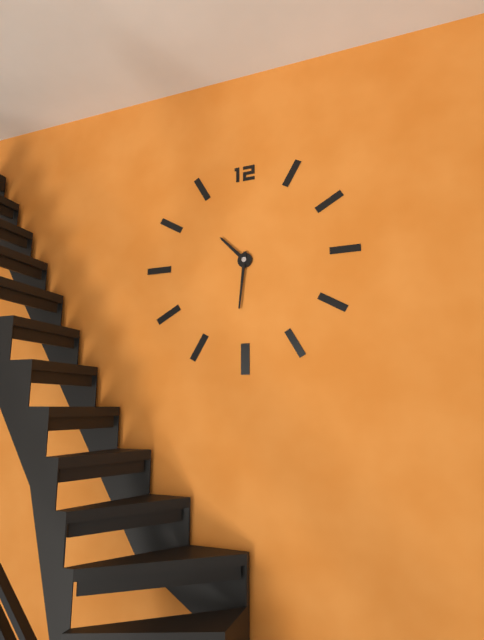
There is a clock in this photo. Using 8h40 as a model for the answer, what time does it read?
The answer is 10h31
